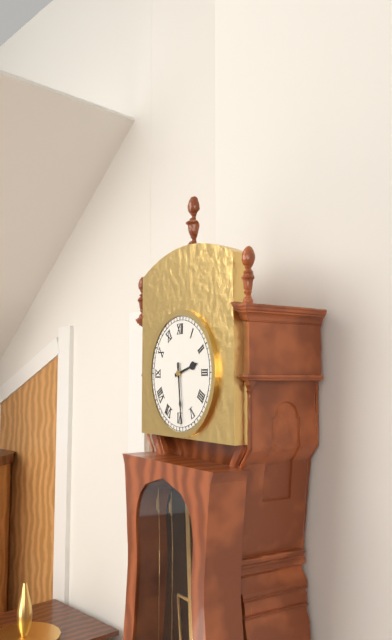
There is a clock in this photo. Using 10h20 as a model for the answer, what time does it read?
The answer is 2h29
